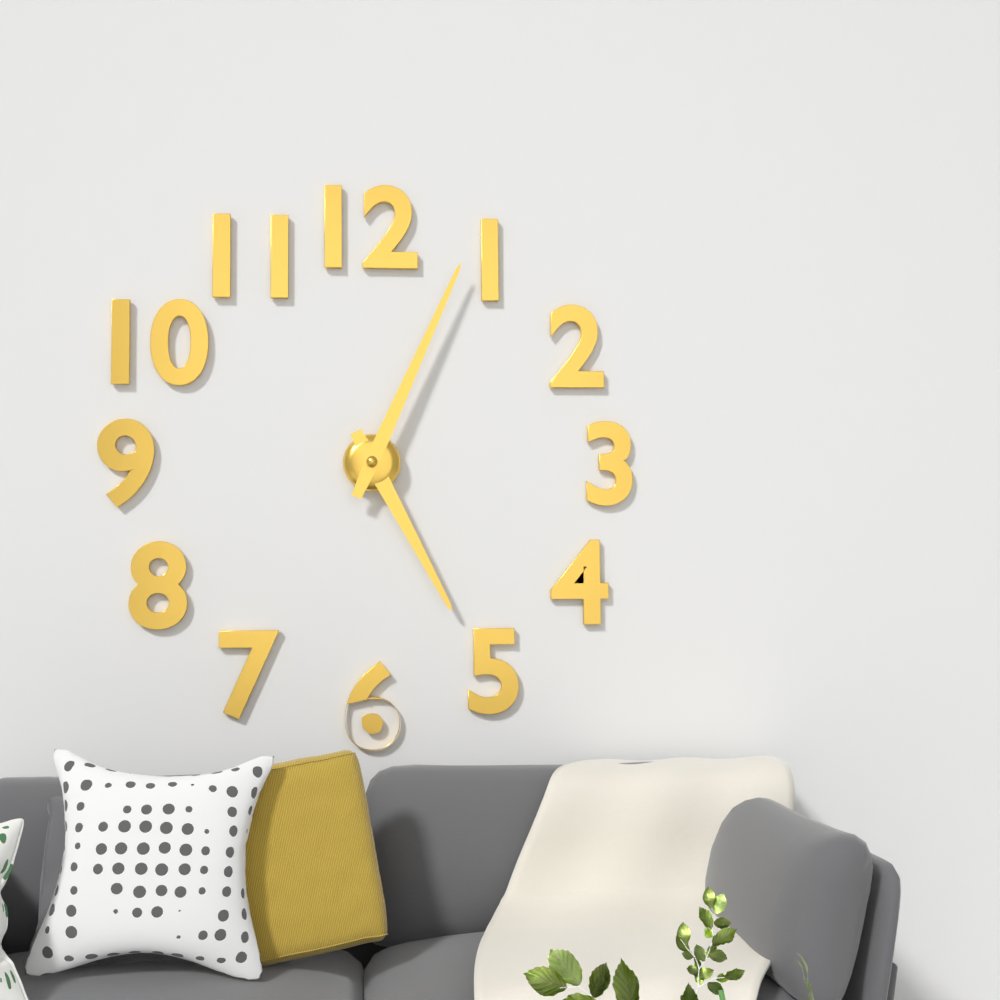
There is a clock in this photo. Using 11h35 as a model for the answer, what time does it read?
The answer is 5h04
